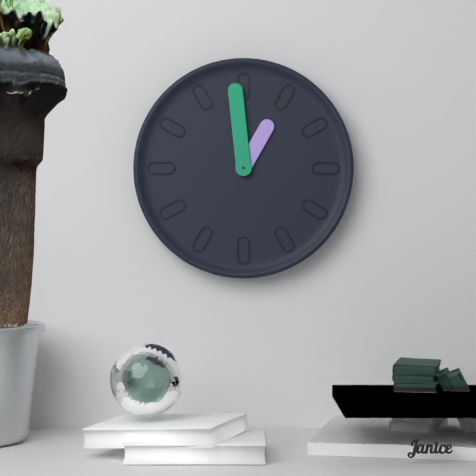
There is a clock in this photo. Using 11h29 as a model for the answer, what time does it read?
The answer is 12h59
